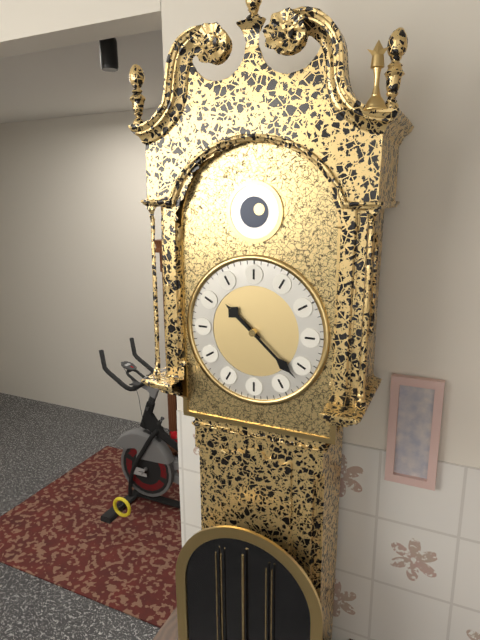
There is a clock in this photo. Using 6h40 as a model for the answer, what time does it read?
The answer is 10h22
